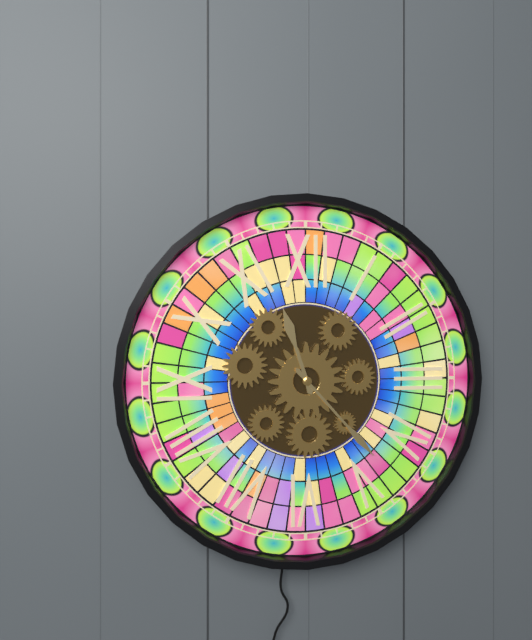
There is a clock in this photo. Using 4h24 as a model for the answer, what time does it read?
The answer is 11h23
